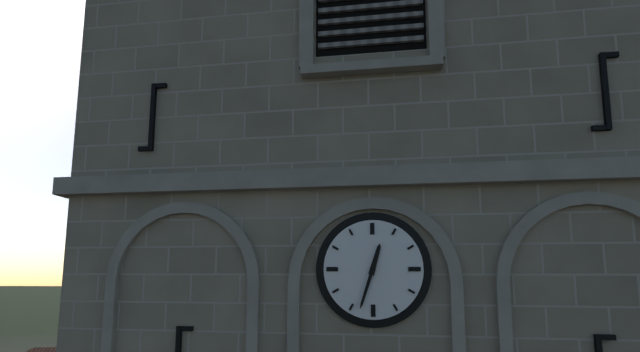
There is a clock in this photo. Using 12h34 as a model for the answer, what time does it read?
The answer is 12h33
